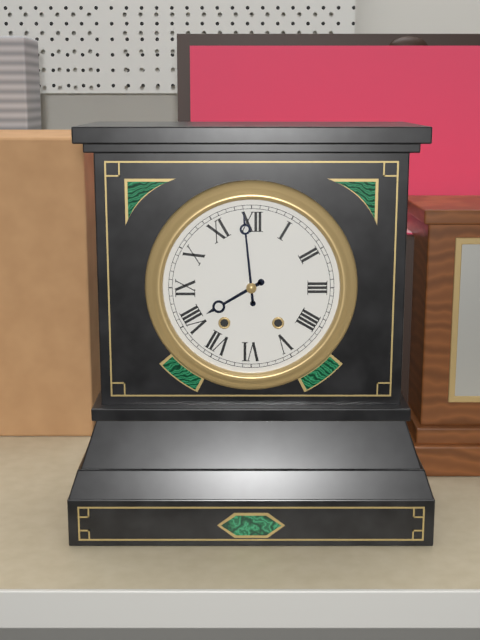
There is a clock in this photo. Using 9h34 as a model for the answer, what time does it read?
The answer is 7h59
